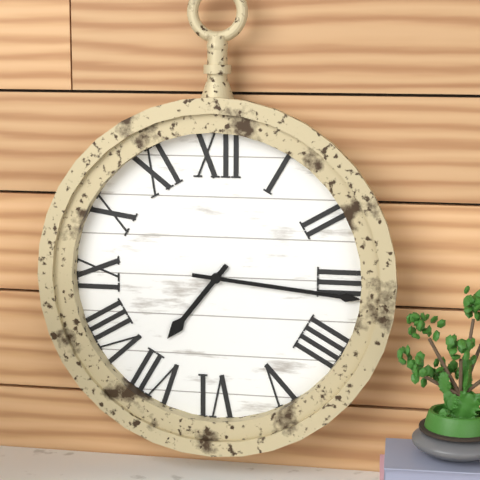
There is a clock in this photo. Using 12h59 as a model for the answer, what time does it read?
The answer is 7h16
